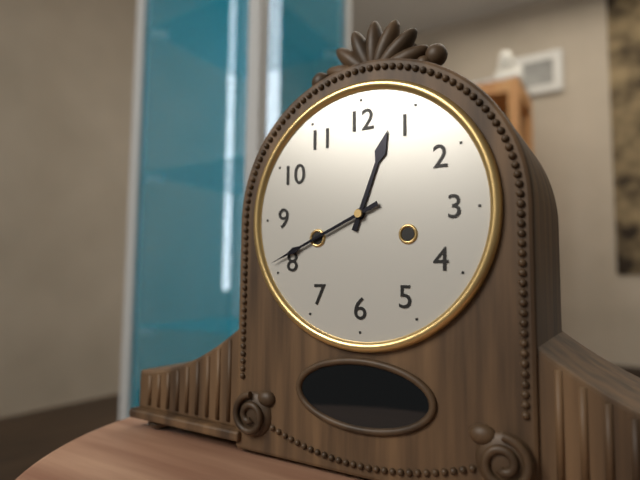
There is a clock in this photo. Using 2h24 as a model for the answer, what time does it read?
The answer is 12h41
